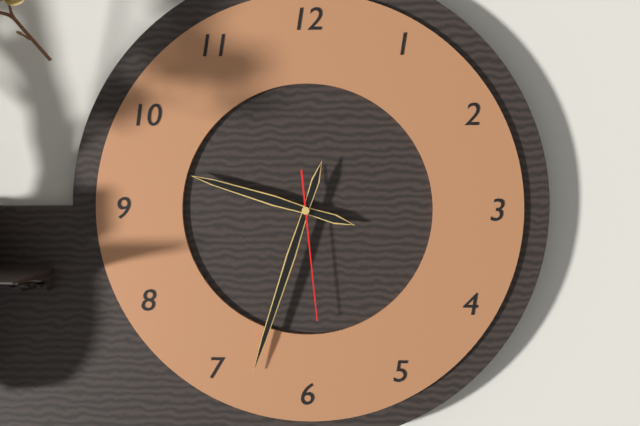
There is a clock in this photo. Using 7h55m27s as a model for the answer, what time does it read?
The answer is 9h33m29s
